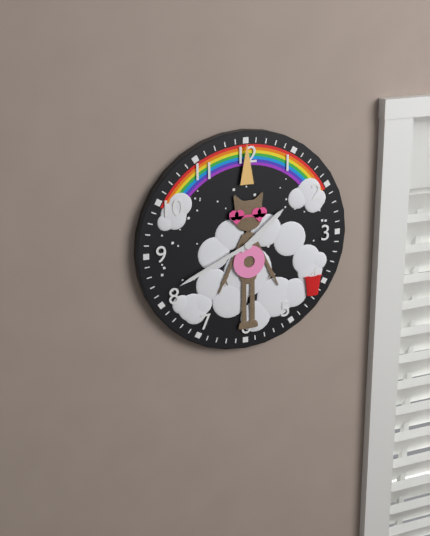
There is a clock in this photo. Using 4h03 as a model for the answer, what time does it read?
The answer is 1h41
